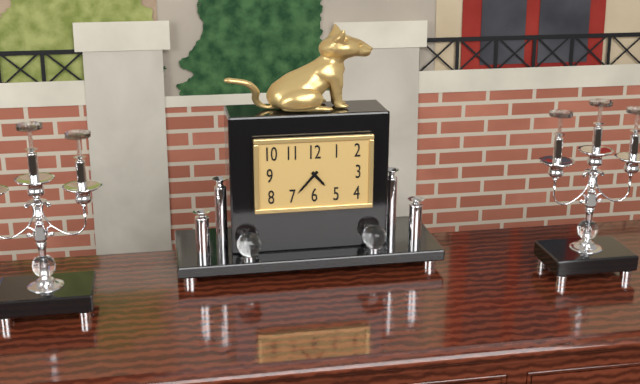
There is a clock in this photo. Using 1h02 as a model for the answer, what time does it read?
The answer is 4h37
